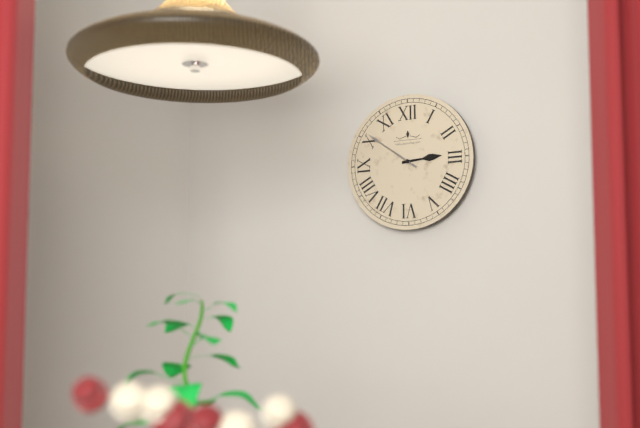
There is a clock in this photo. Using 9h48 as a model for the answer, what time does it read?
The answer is 2h51
